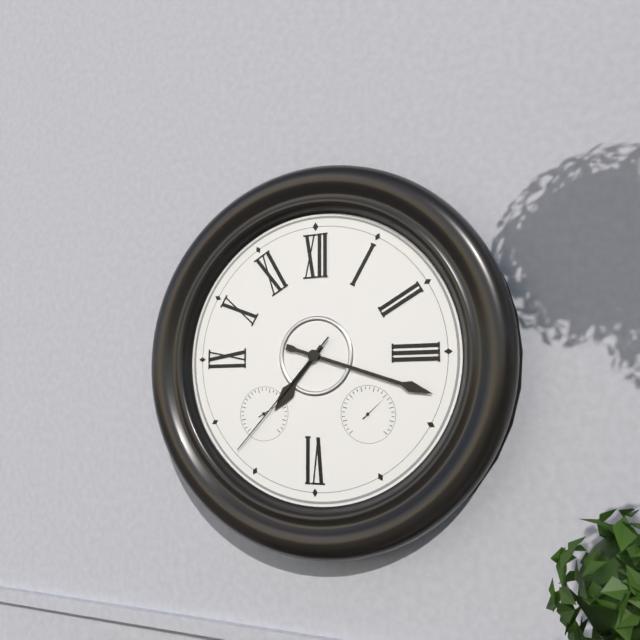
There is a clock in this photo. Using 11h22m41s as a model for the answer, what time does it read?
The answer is 7h18m37s
